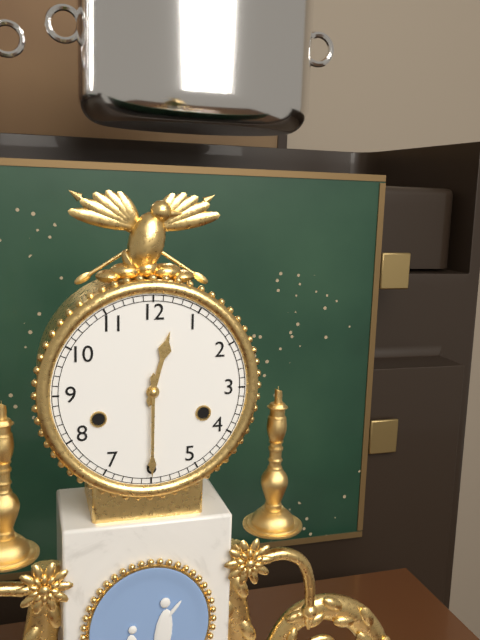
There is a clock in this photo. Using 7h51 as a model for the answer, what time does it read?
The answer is 12h30
